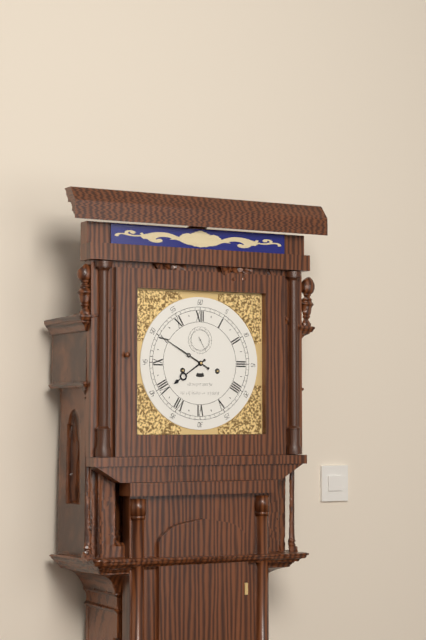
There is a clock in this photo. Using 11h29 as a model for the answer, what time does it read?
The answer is 7h50
